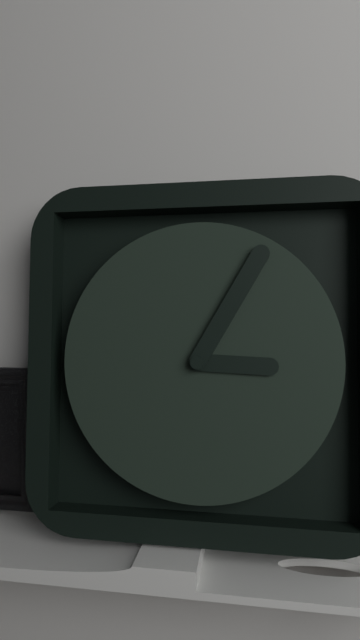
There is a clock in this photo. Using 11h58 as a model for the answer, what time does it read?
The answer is 3h05
